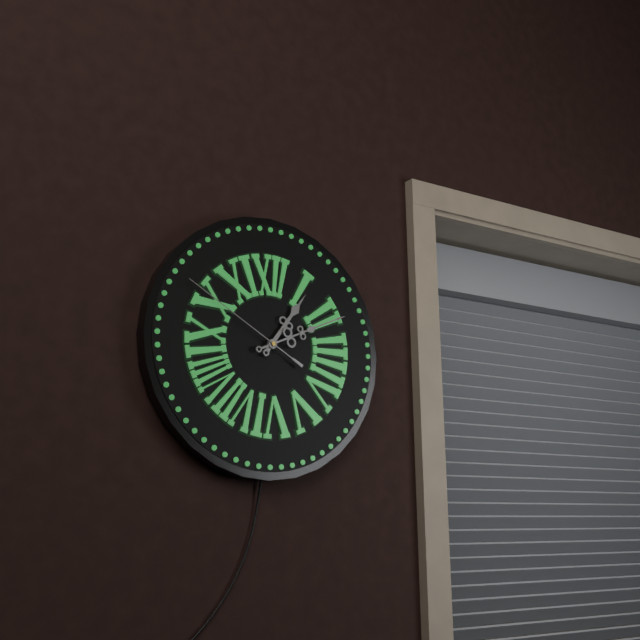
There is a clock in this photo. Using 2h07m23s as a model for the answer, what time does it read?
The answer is 1h11m50s
